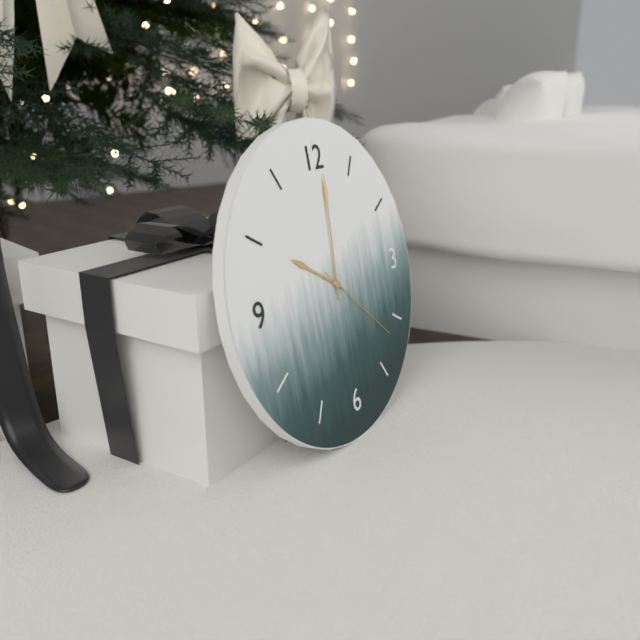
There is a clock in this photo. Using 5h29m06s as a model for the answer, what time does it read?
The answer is 10h01m22s
